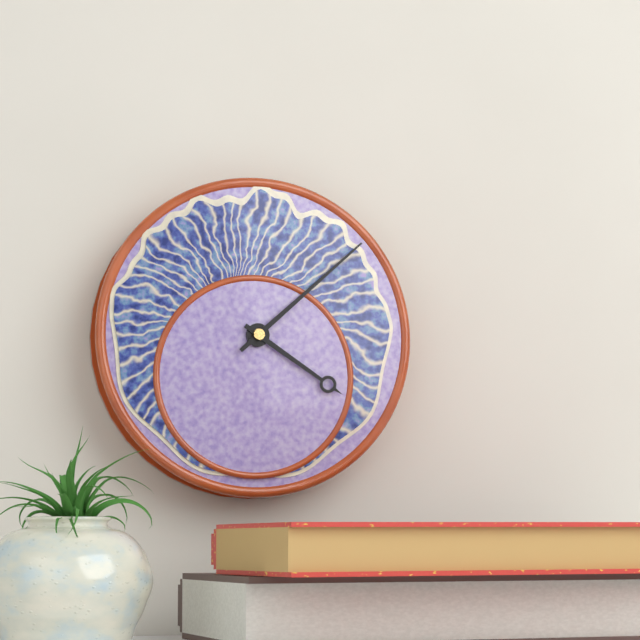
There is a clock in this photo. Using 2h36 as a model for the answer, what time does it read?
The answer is 4h08
